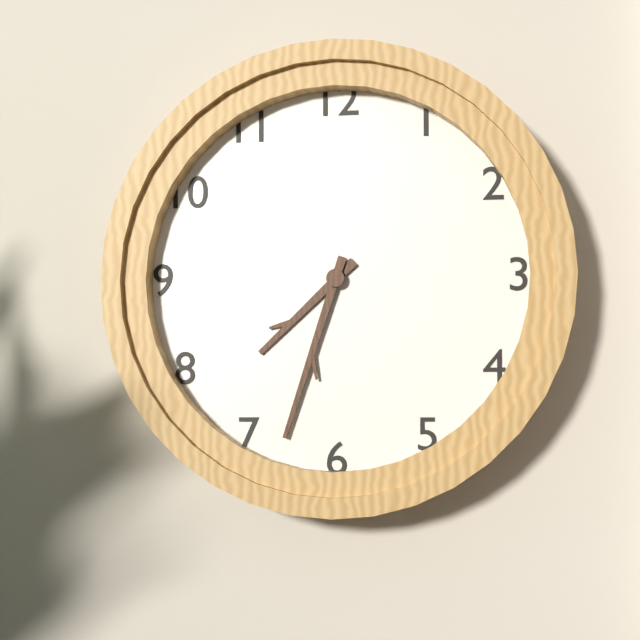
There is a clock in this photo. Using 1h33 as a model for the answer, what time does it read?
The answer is 7h33
